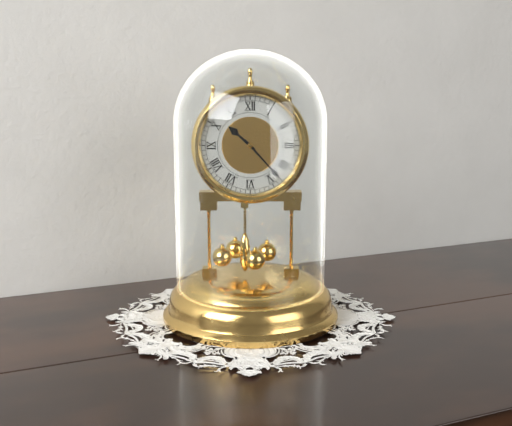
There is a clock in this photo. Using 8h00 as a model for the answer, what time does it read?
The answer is 10h23
